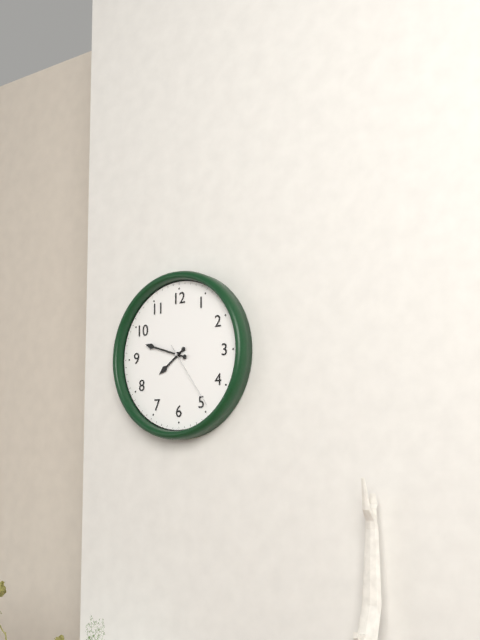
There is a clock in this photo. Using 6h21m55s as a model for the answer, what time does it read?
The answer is 7h48m24s
